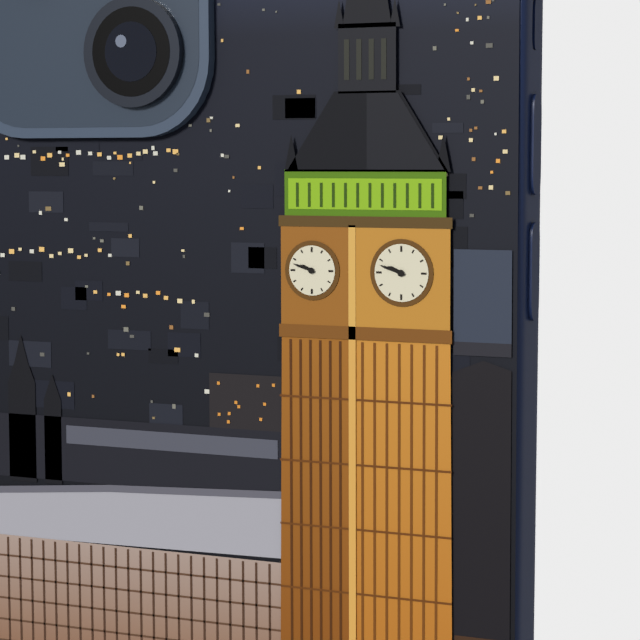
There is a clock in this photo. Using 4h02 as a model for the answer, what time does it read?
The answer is 9h48
